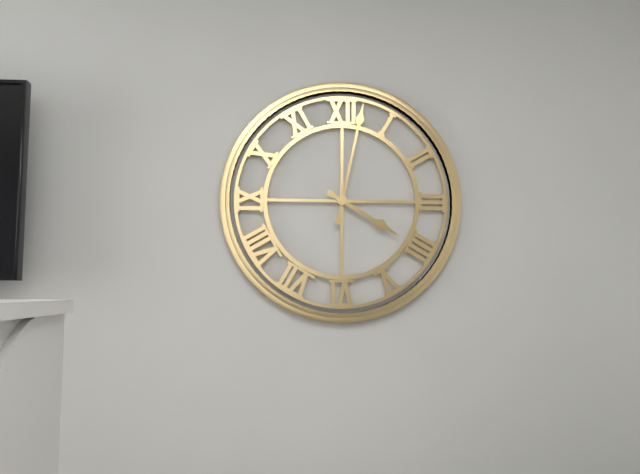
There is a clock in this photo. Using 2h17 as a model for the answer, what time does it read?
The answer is 4h02
